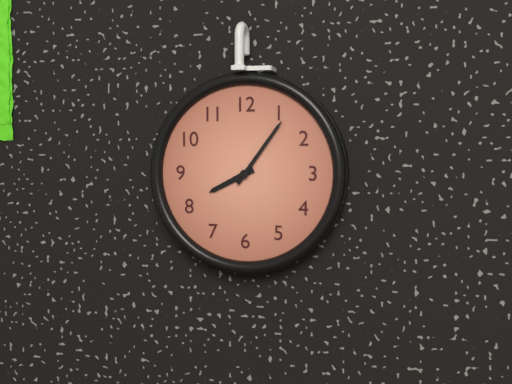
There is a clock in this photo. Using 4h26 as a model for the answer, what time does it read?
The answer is 8h06
